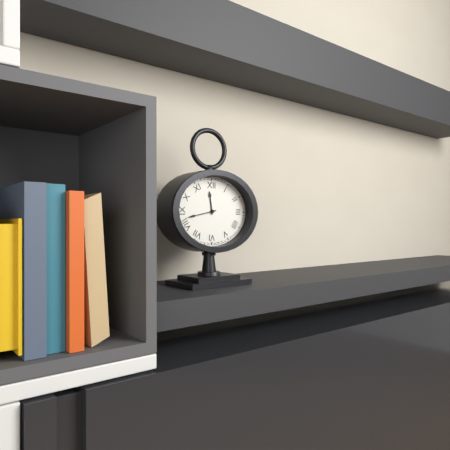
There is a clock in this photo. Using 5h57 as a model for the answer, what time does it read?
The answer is 11h43
